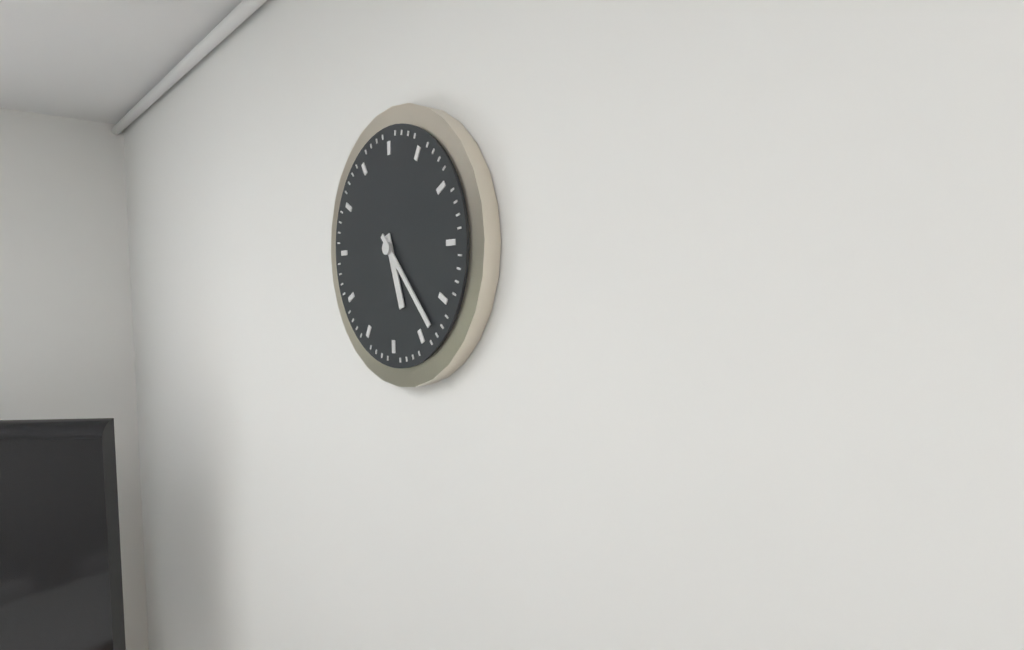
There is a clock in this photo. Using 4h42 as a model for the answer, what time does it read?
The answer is 5h23
